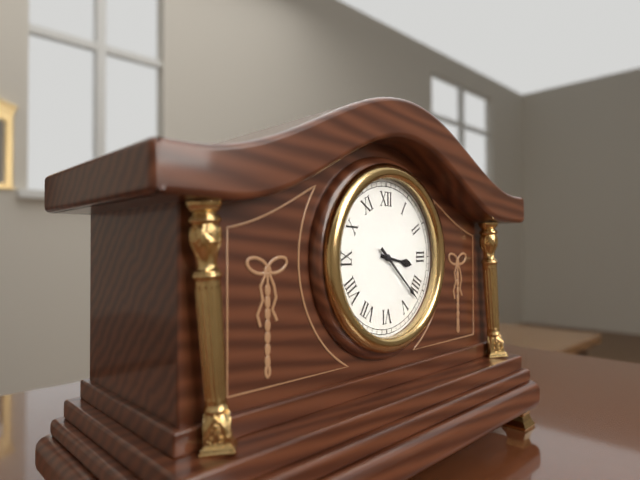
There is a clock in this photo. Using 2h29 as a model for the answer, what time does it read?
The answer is 3h22
